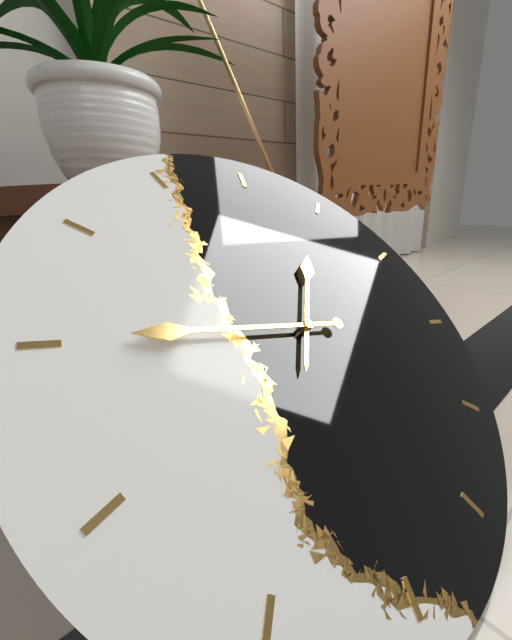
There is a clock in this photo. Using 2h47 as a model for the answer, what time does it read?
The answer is 1h50
